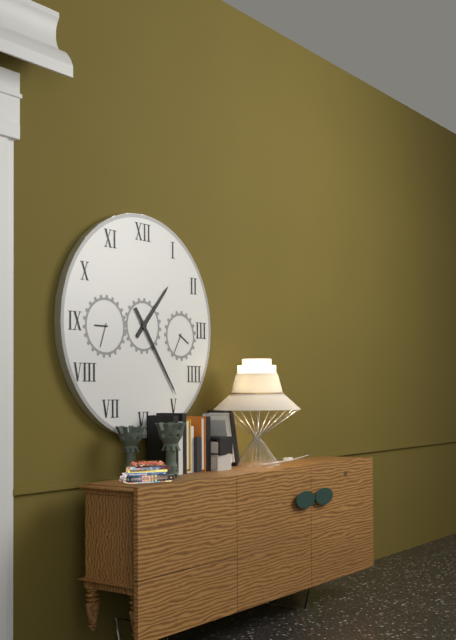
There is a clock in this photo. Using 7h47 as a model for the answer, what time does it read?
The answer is 1h24
